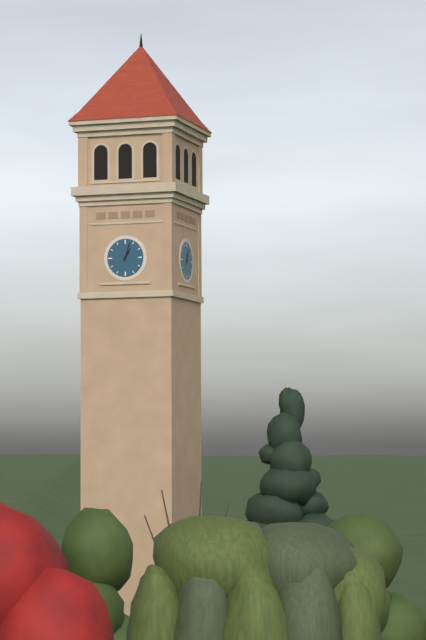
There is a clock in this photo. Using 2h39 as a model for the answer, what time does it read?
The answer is 1h03
